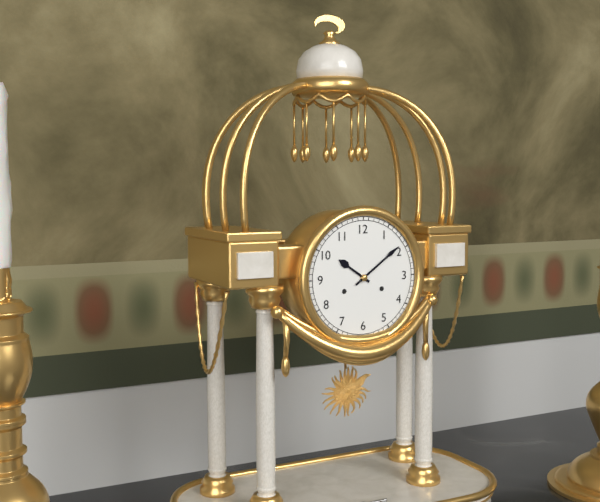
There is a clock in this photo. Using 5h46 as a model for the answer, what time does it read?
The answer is 10h09
